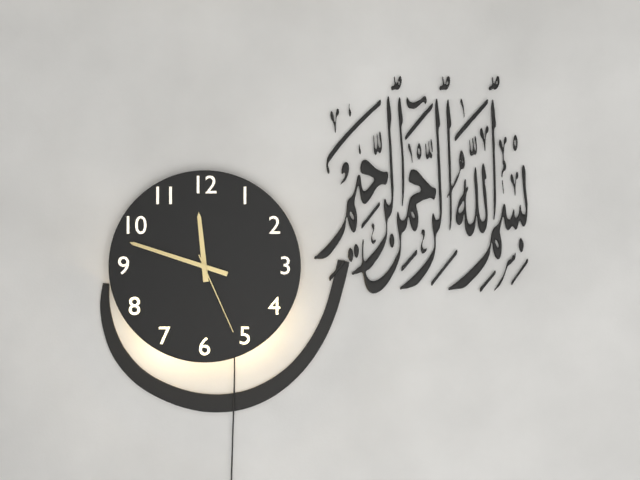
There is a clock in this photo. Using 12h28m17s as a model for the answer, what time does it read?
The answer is 11h48m26s
